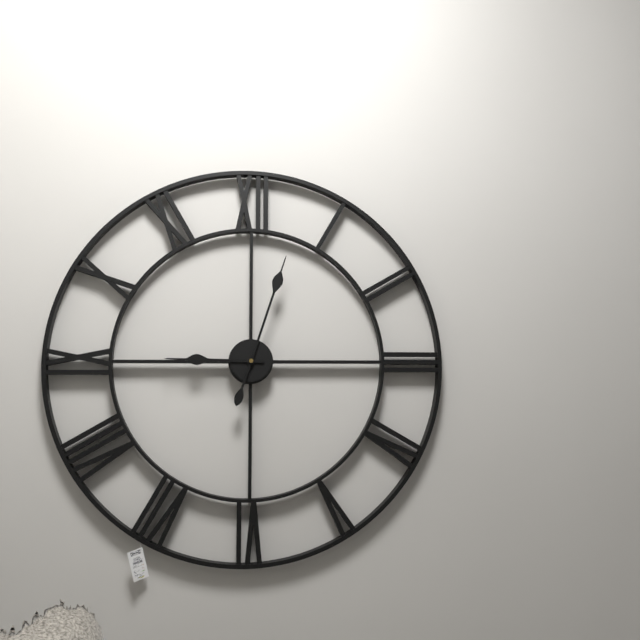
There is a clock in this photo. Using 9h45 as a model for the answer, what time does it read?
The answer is 9h03
